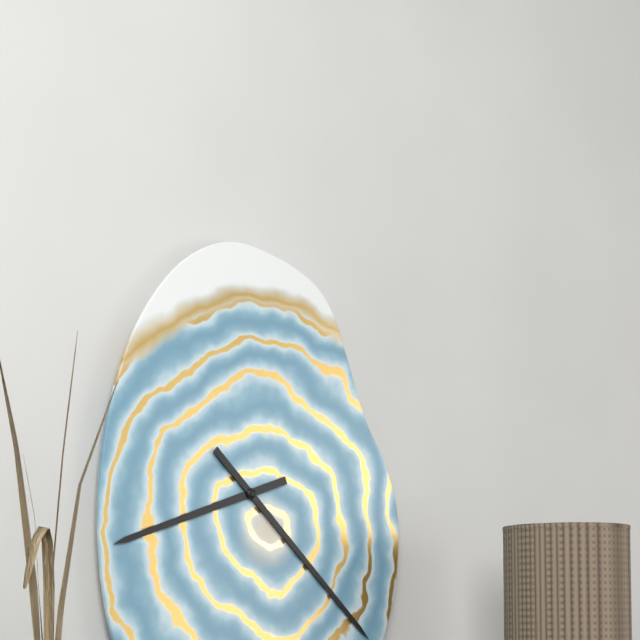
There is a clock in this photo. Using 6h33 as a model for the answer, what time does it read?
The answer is 8h22
